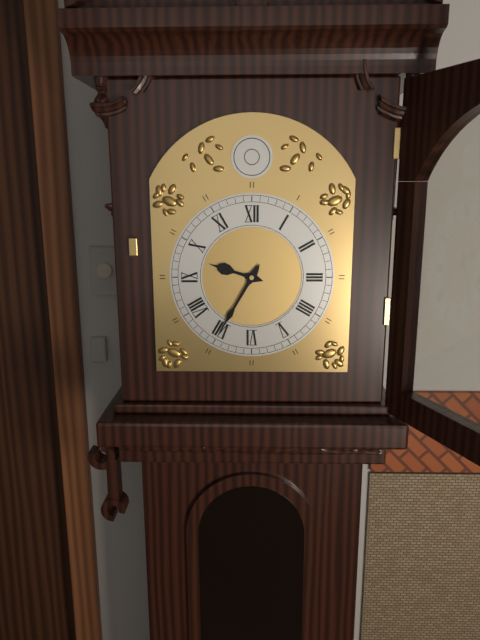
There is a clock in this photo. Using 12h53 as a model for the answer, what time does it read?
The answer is 9h35
